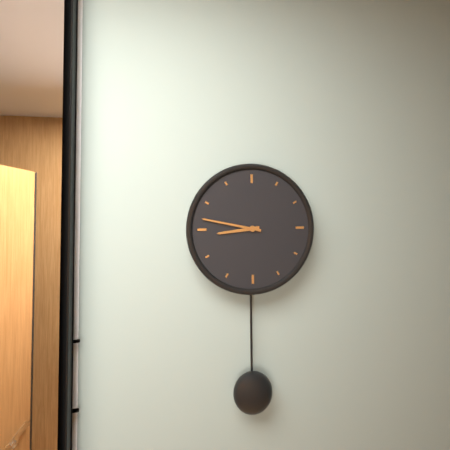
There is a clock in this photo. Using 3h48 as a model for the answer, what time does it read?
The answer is 8h47
